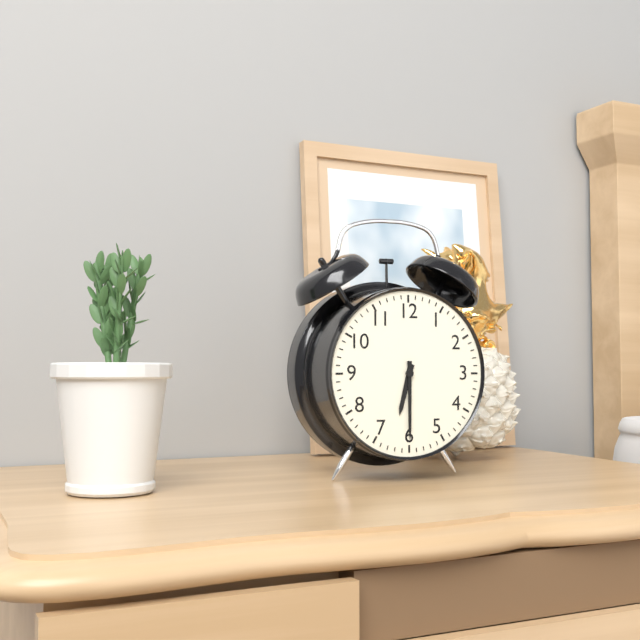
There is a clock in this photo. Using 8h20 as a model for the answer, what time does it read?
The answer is 6h30
